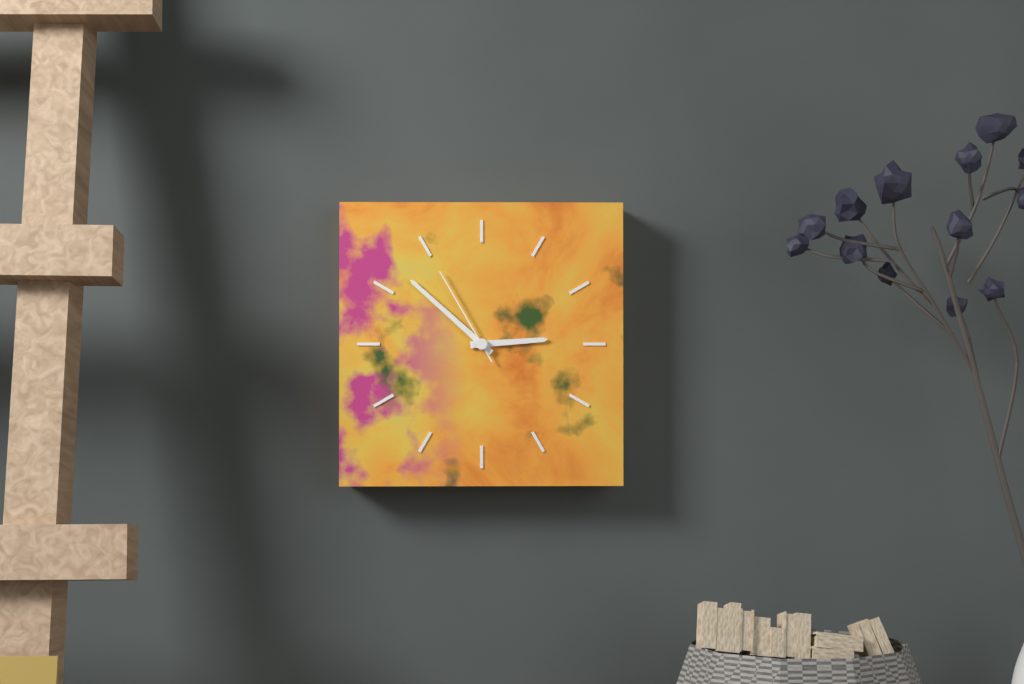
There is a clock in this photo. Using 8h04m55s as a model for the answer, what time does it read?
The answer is 2h52m55s
